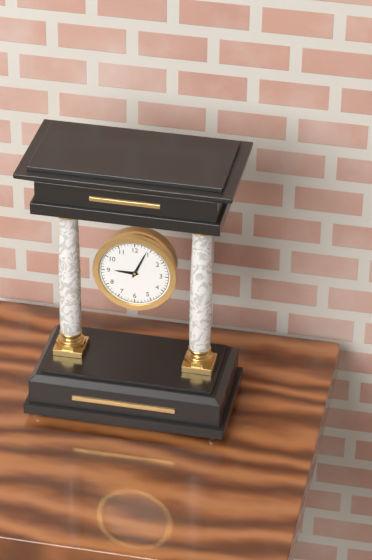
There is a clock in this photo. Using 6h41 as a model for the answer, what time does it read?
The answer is 9h04
